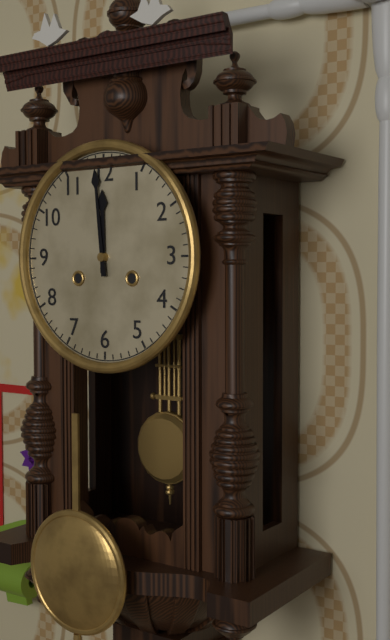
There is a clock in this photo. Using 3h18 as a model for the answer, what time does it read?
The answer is 11h59
